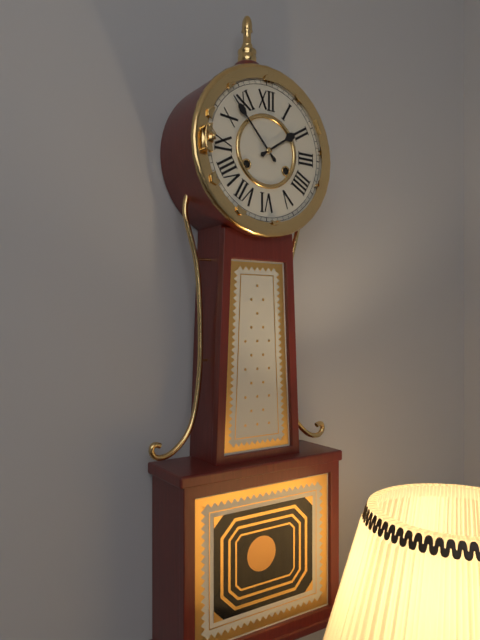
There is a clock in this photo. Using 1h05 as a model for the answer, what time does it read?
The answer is 1h53
